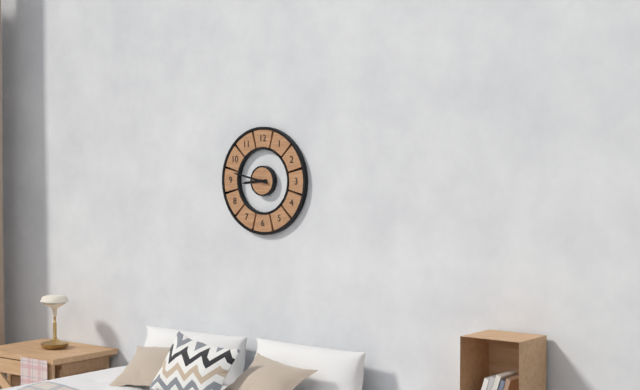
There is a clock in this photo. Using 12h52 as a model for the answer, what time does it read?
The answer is 8h47
